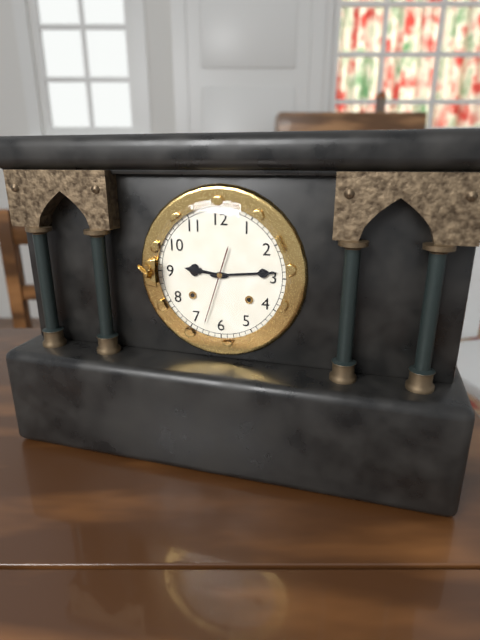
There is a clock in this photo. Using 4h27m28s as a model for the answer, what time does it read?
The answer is 9h14m33s
